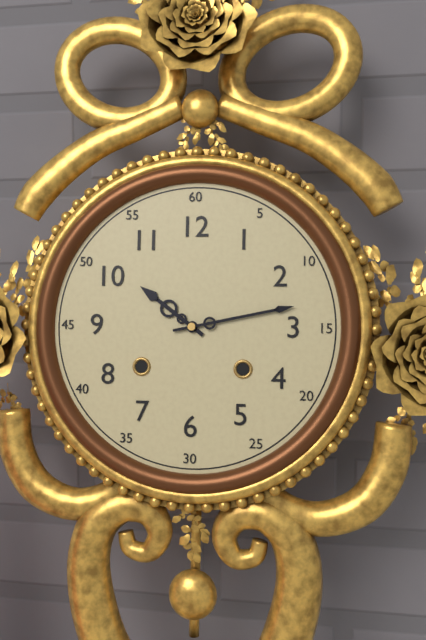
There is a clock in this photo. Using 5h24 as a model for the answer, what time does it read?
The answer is 10h13
